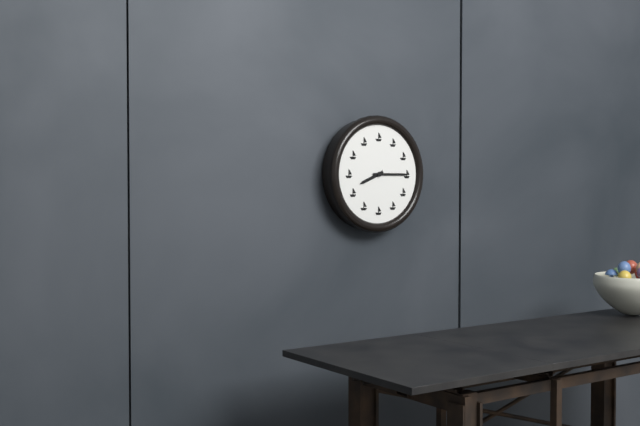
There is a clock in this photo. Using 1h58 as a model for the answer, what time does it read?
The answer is 8h15
